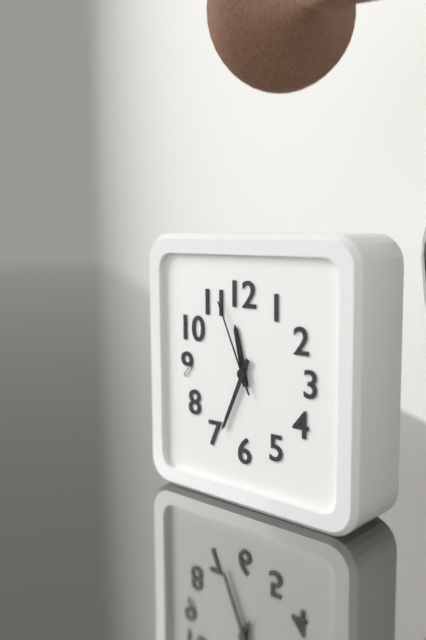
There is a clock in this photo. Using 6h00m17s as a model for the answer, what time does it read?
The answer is 11h34m56s
